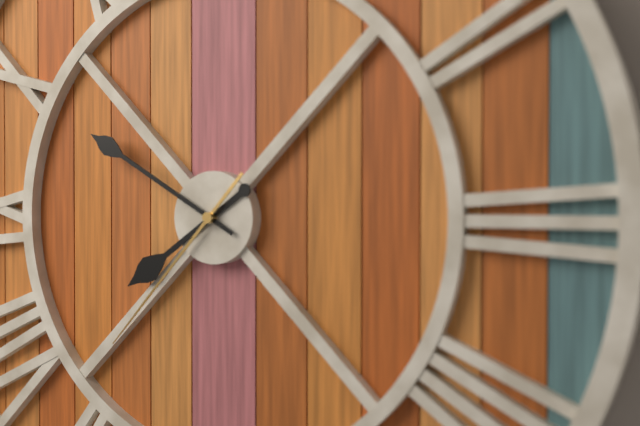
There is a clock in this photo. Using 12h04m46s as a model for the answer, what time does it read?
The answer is 7h50m37s
